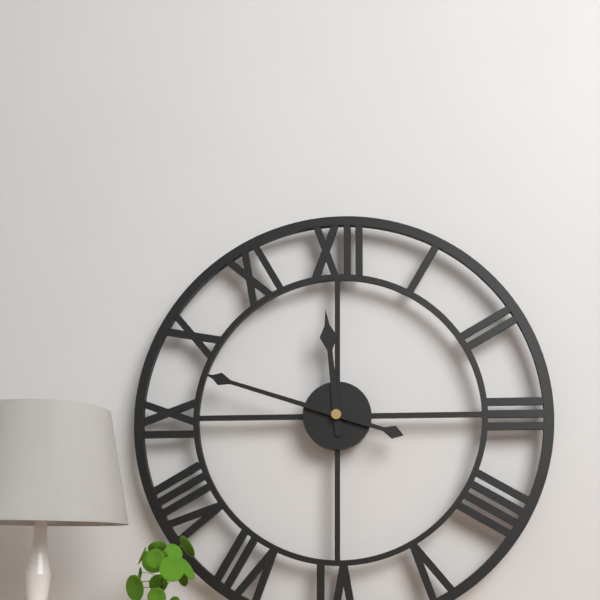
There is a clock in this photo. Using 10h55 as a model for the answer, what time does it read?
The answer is 11h48
